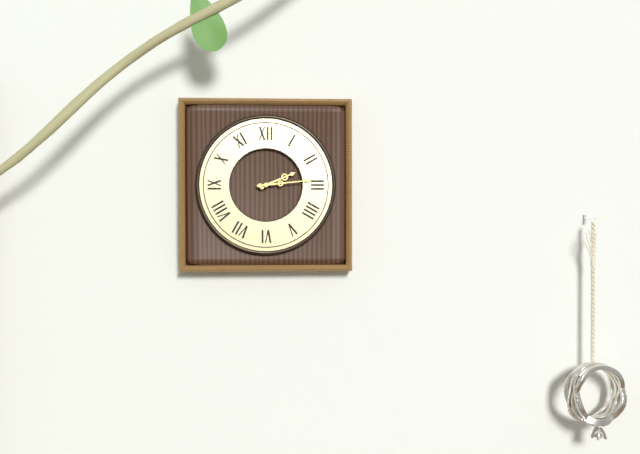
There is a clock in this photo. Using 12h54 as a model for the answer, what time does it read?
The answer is 2h14
